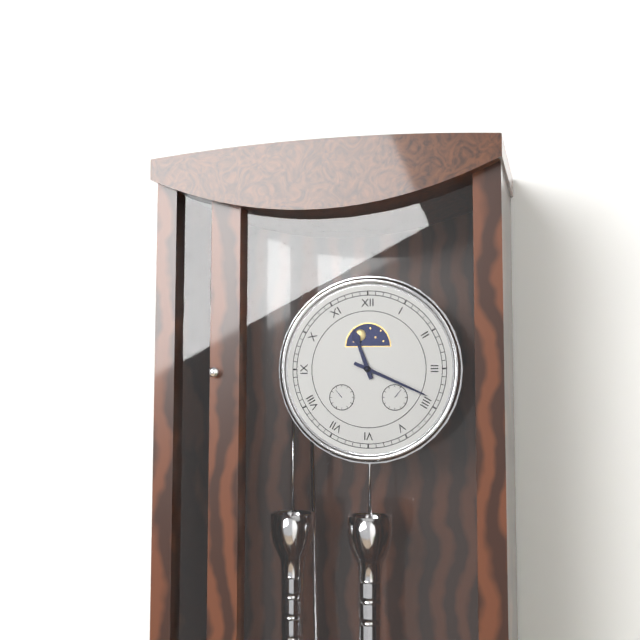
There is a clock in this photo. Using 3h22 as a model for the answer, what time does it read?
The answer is 11h19
